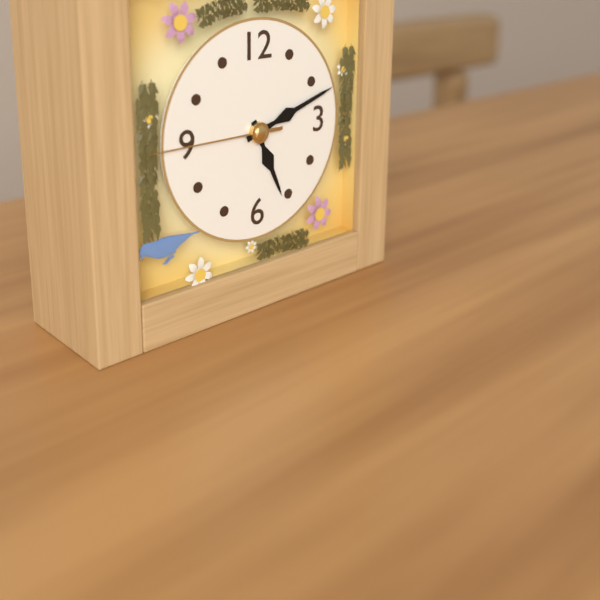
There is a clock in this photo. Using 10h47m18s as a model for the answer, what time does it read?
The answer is 5h12m45s
